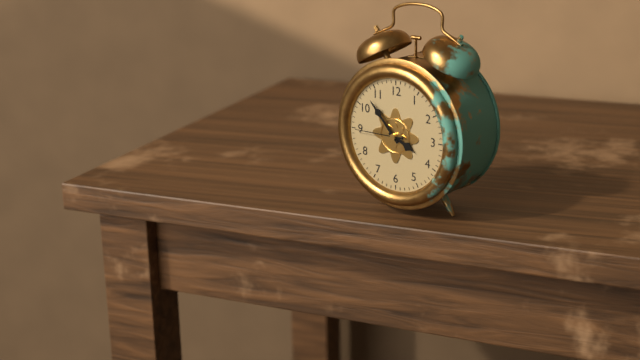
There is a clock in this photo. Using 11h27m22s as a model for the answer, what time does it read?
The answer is 3h53m45s
